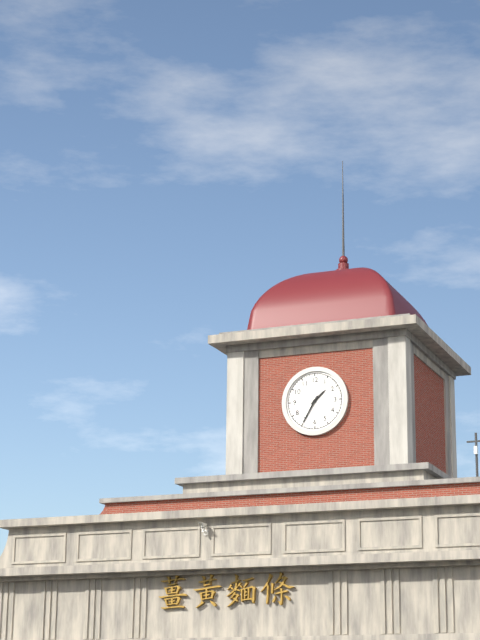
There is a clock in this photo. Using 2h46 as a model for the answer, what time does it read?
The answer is 1h35
